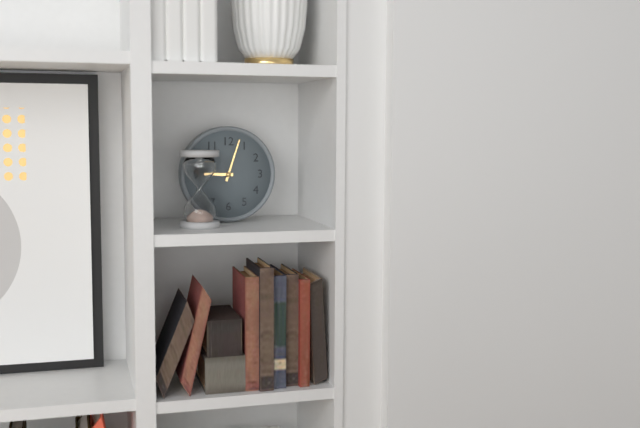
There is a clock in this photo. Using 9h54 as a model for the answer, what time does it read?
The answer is 9h03
